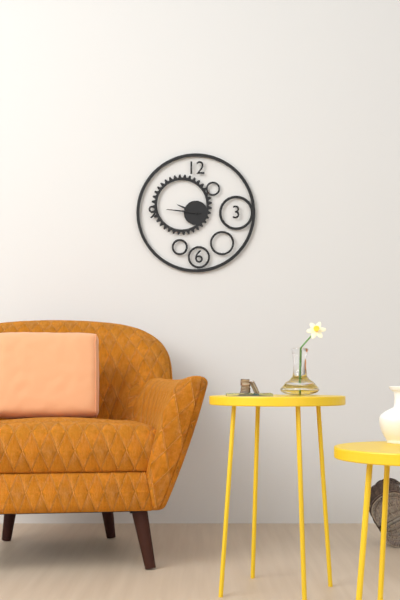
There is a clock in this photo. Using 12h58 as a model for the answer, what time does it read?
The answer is 9h46
